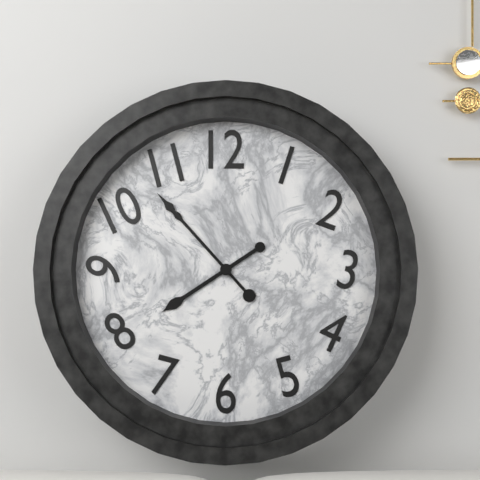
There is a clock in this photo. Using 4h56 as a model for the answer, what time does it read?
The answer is 7h53
